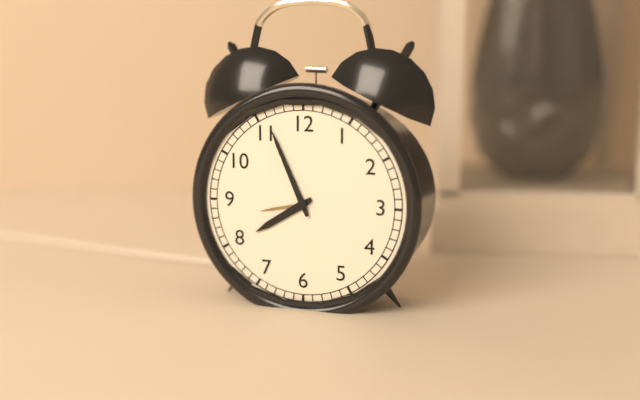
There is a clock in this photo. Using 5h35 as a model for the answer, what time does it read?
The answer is 7h56
